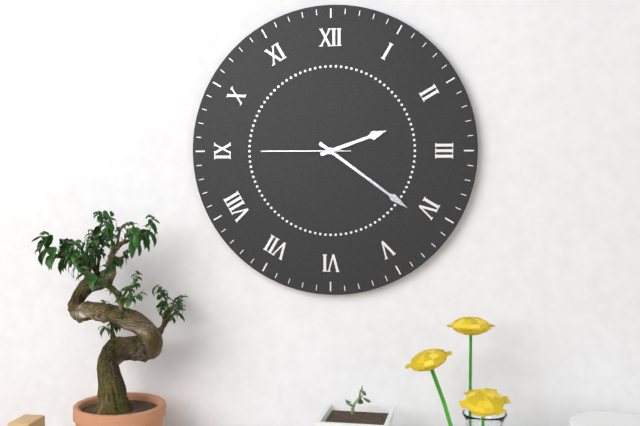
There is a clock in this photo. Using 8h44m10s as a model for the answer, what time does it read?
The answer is 2h21m45s
